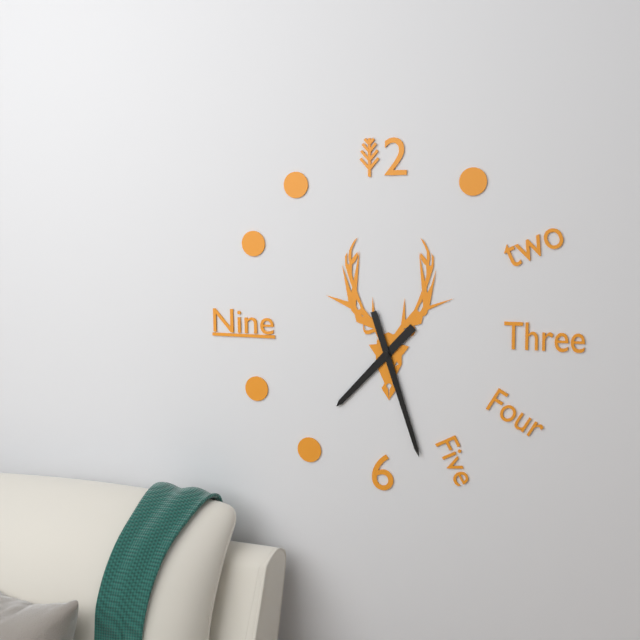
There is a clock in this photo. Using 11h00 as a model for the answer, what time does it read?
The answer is 7h27
